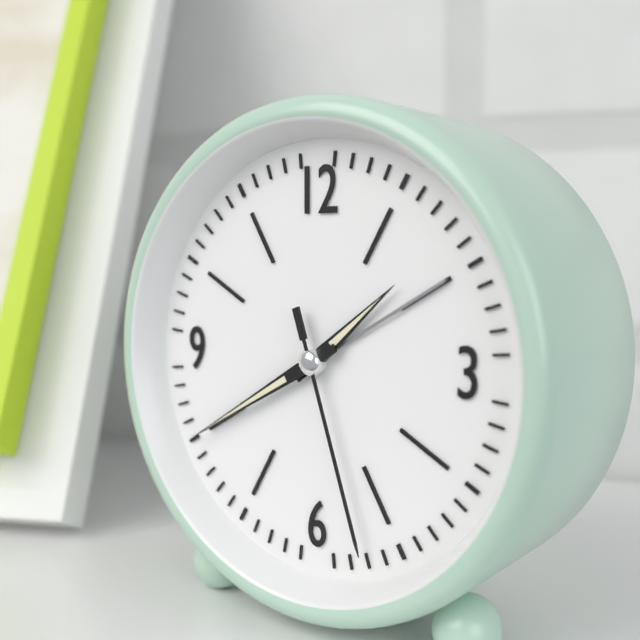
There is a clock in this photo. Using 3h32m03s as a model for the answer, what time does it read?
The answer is 1h40m27s
